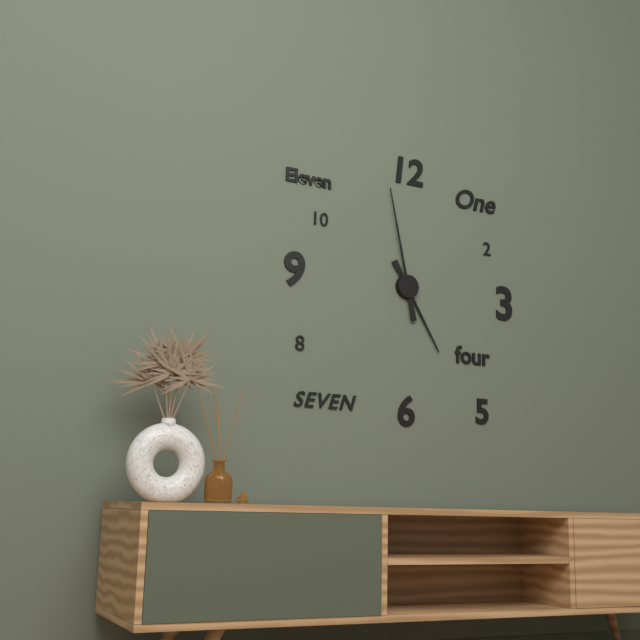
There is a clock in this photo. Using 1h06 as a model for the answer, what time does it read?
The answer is 4h58
